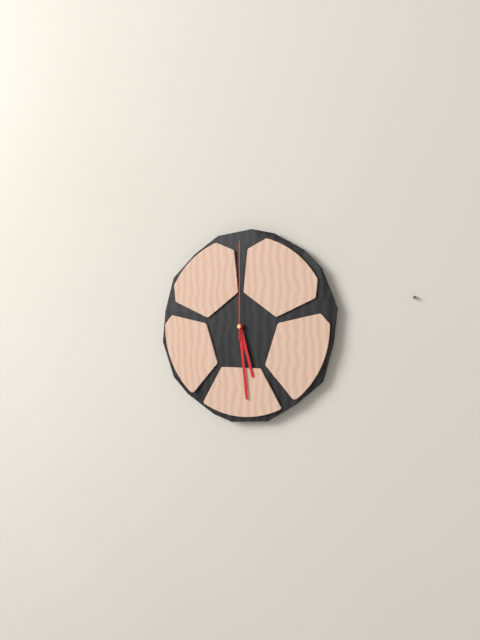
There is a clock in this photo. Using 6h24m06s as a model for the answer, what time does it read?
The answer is 5h29m00s
